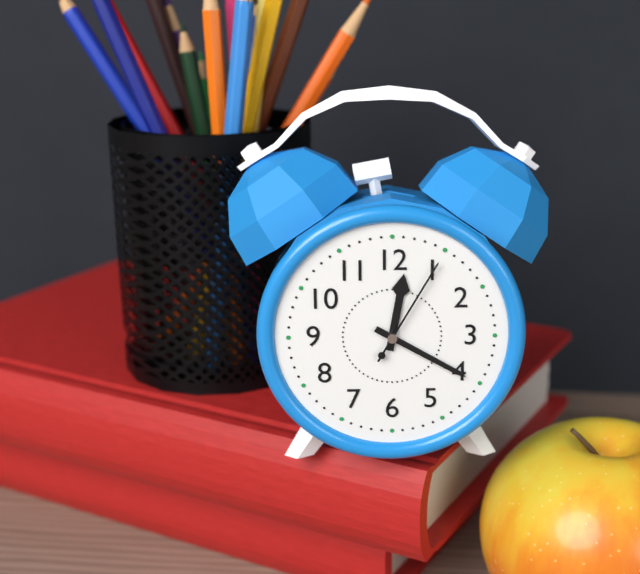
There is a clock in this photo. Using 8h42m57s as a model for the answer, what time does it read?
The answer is 12h20m05s
